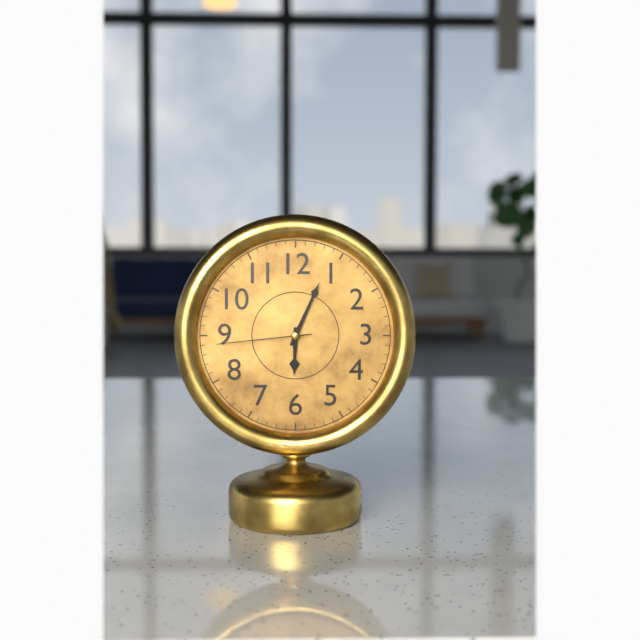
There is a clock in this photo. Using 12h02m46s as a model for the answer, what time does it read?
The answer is 6h04m44s
